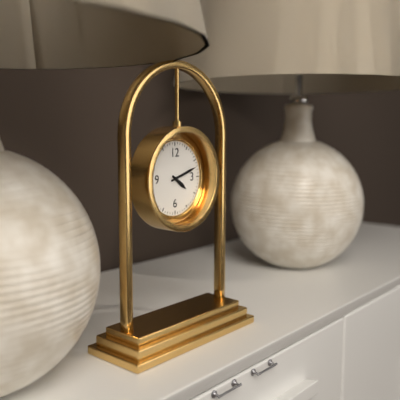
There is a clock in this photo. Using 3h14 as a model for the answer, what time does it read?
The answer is 4h12
